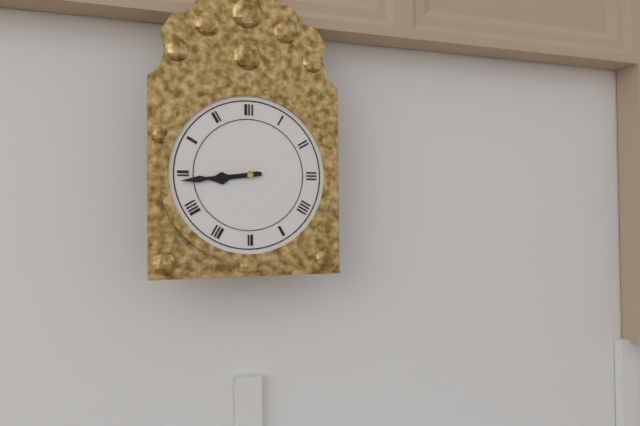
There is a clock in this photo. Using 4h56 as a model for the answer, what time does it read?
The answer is 8h44
